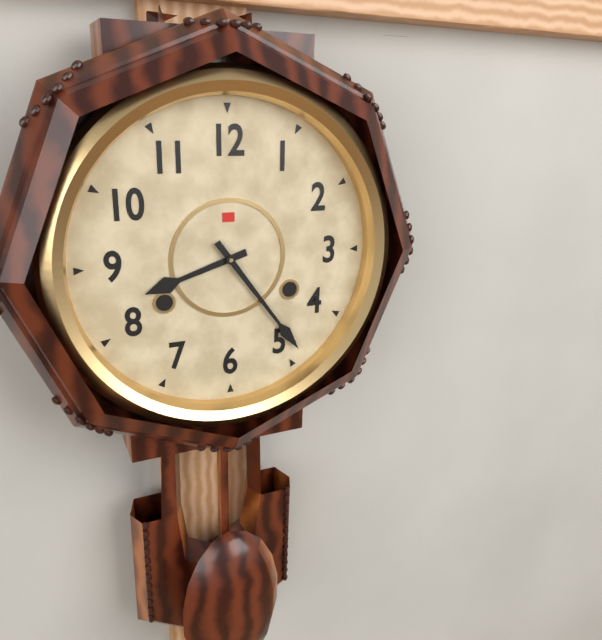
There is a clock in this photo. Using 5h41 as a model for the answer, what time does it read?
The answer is 8h24
